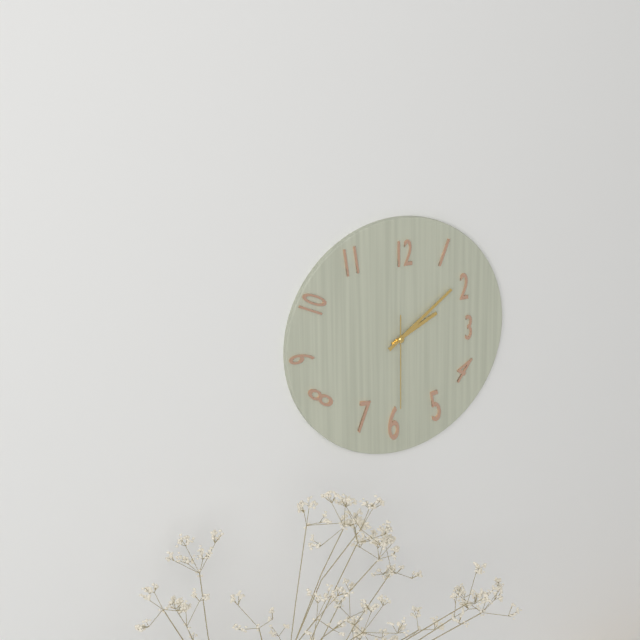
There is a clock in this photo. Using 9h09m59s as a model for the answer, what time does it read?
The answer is 2h09m30s
